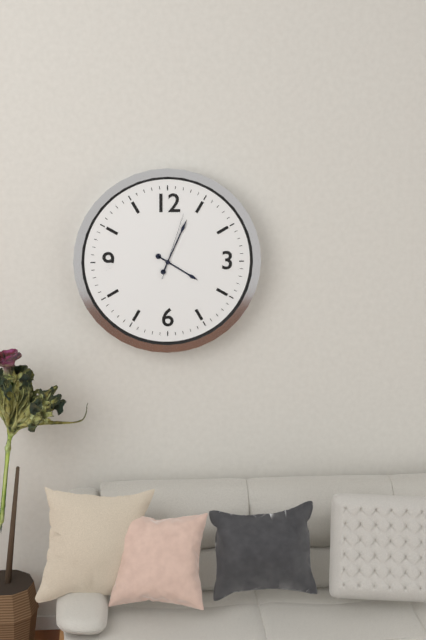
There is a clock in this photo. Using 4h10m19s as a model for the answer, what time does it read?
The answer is 4h04m03s
